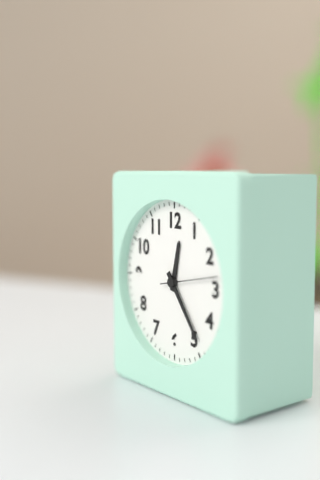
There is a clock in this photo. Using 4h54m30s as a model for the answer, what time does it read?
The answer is 12h24m13s
